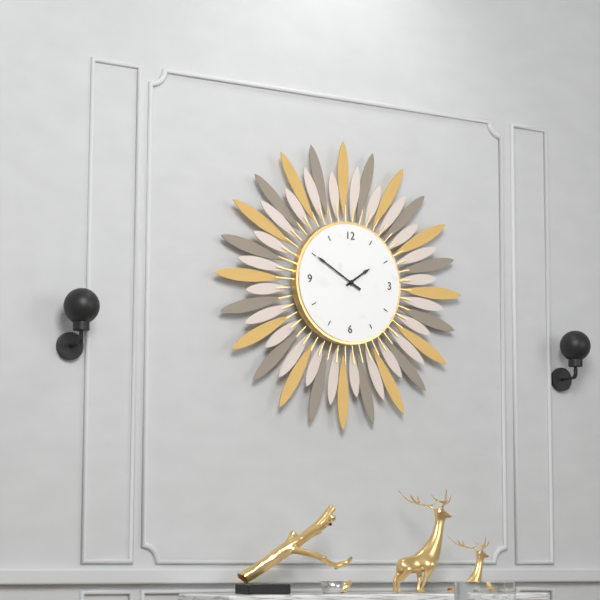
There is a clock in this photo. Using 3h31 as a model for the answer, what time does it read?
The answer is 1h50
